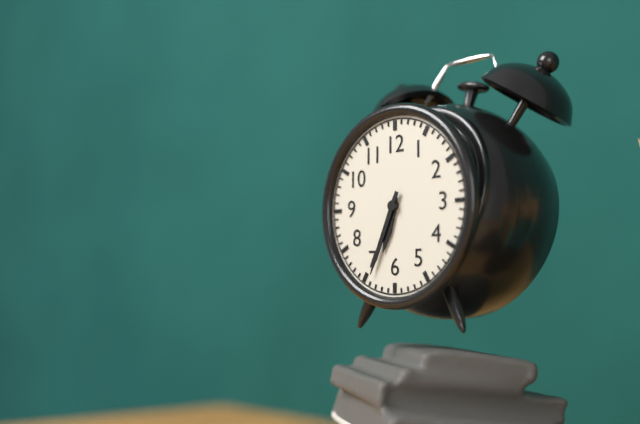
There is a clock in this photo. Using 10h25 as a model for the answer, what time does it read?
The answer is 6h34
